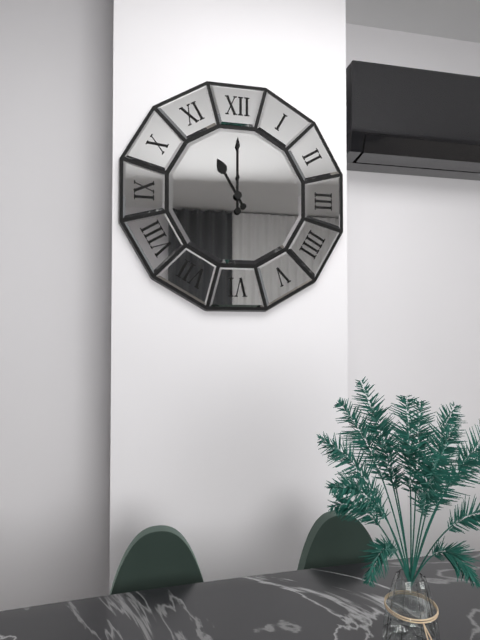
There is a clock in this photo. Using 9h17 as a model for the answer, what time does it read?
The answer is 11h00
